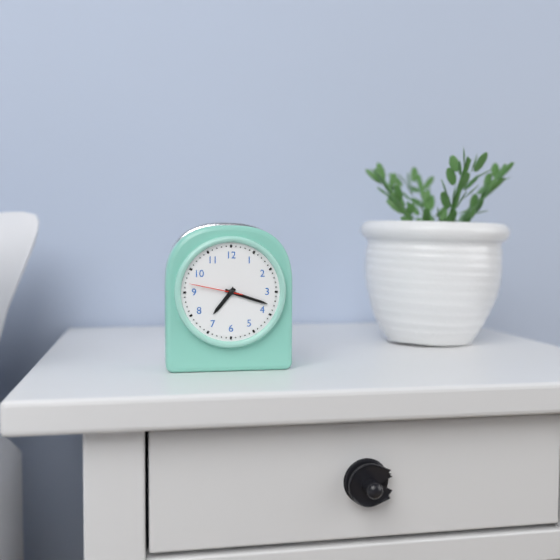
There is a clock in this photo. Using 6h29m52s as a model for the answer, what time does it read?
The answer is 7h18m47s
